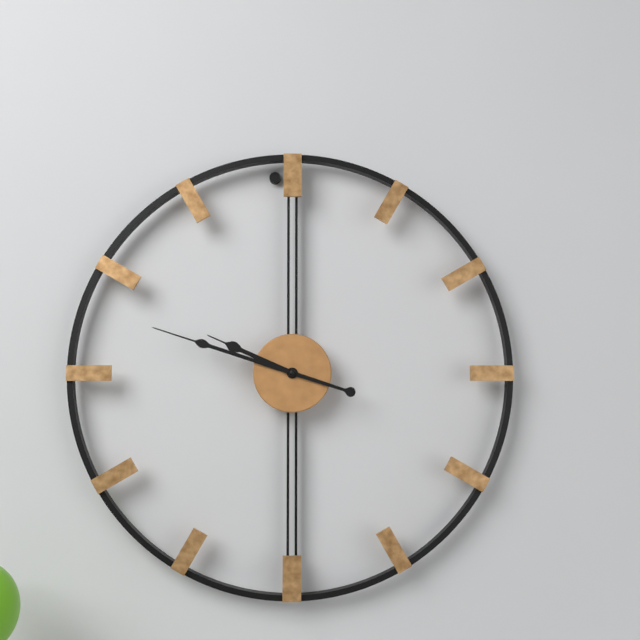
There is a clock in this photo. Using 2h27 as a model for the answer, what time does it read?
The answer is 9h48
